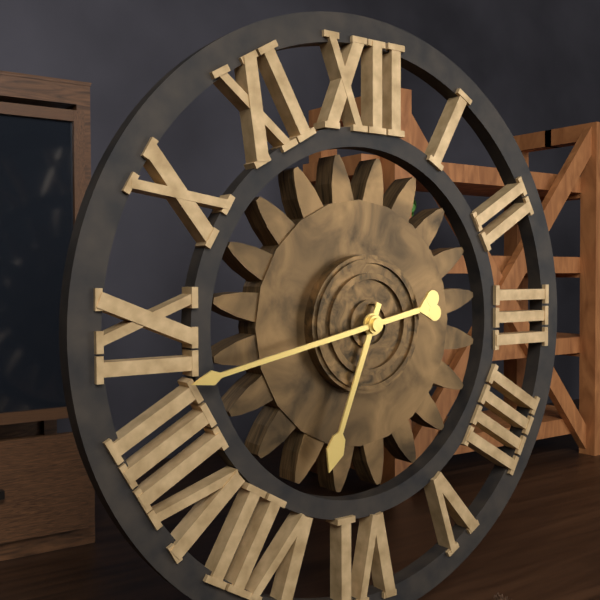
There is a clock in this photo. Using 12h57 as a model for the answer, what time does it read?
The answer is 6h43
